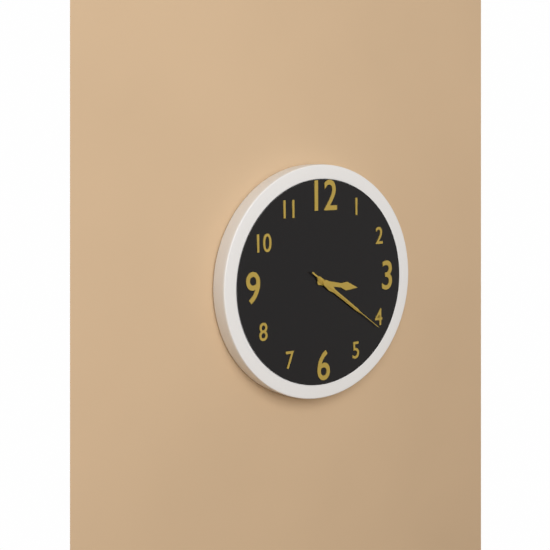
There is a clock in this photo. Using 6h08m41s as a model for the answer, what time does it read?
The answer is 3h21m21s
